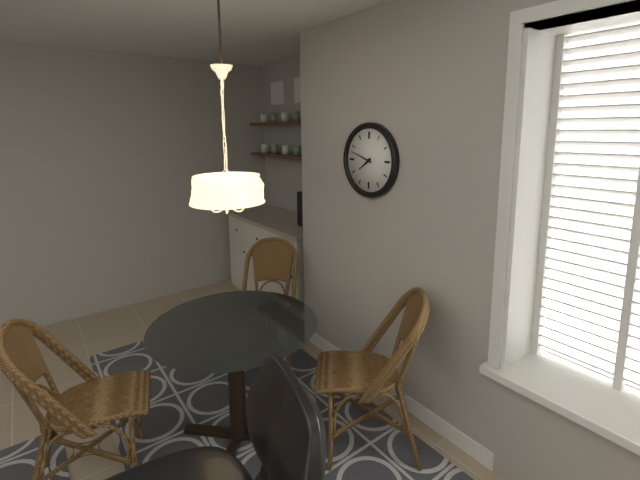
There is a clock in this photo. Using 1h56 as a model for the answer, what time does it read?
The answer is 7h48
